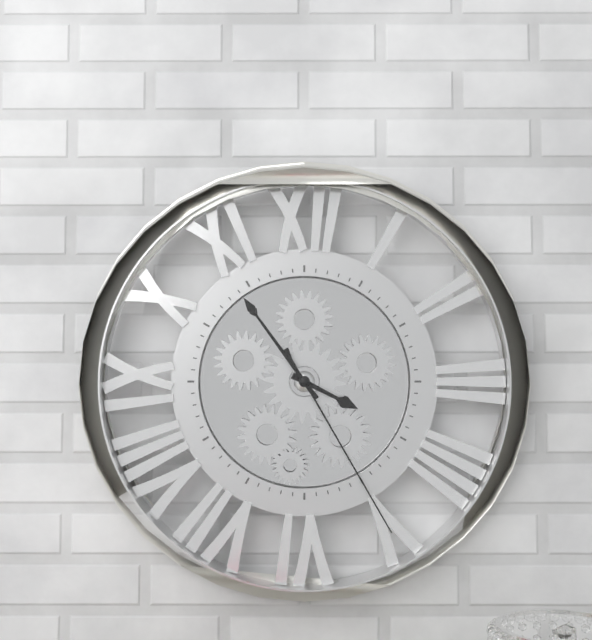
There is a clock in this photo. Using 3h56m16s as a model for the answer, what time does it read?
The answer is 3h54m25s
